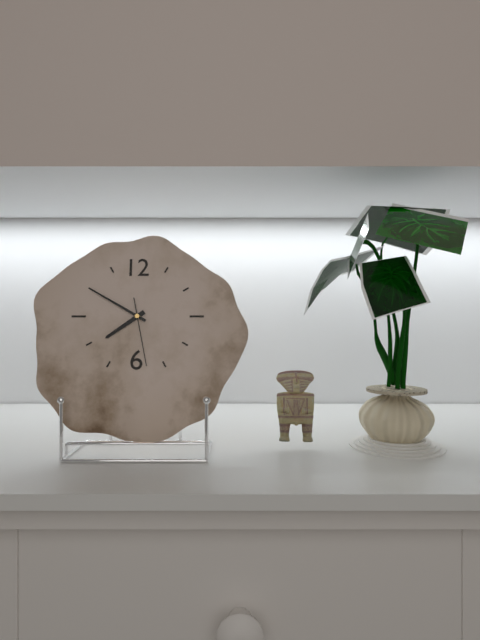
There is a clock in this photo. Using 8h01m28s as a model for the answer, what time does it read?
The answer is 7h50m28s
